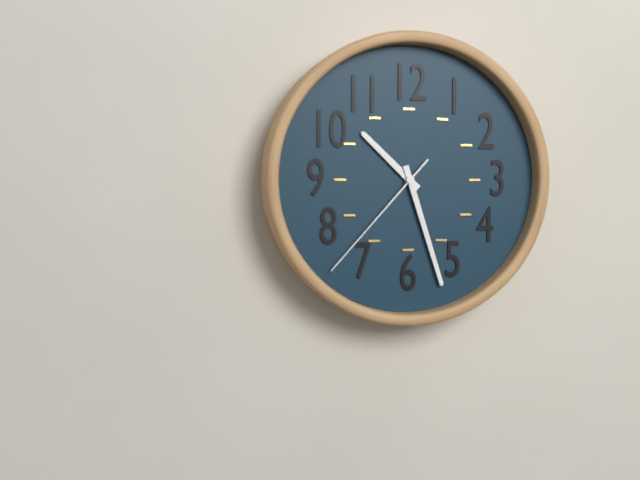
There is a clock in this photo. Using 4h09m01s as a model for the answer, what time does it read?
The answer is 10h27m37s
